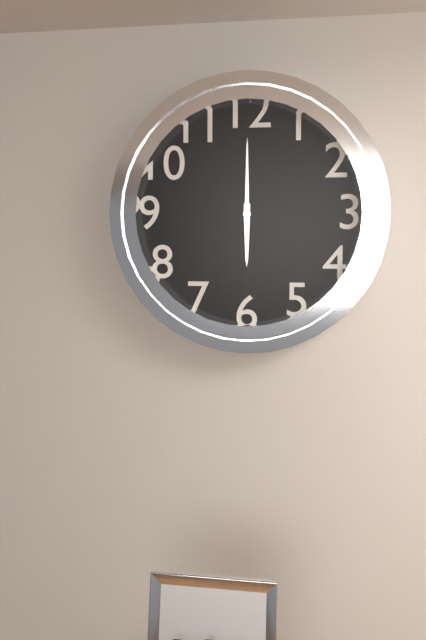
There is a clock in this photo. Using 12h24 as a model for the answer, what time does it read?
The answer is 6h00
